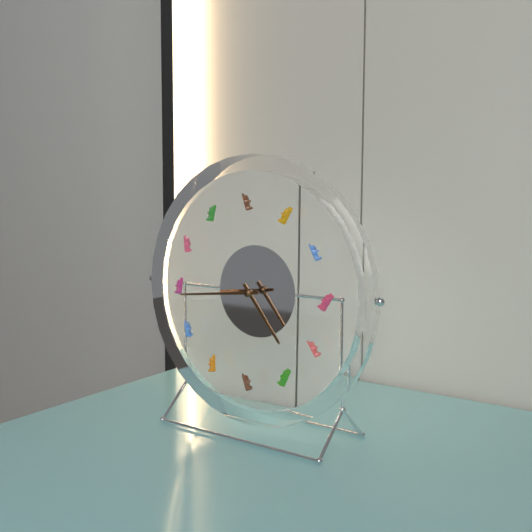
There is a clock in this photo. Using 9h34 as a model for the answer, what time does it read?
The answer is 4h44
